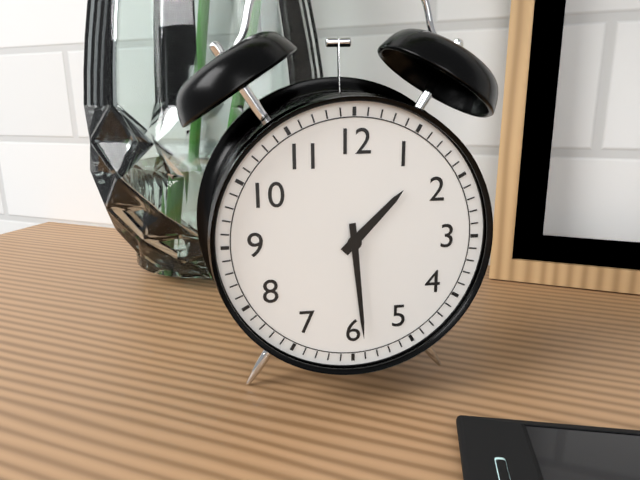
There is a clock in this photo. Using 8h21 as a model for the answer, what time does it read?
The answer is 1h29
